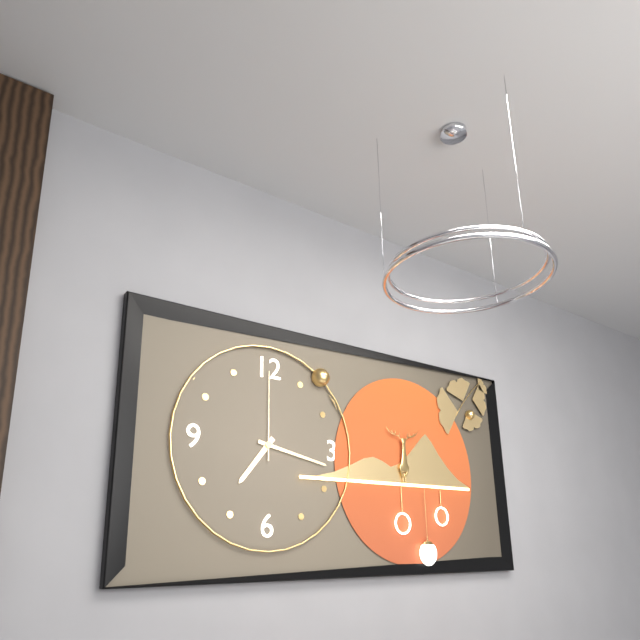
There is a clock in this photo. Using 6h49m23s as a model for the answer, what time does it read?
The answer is 7h17m00s
